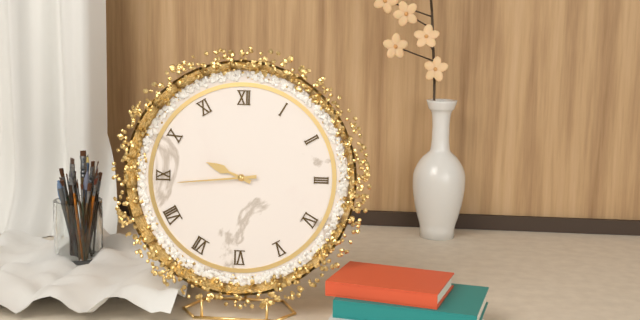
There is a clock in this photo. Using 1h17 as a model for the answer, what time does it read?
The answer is 9h44
